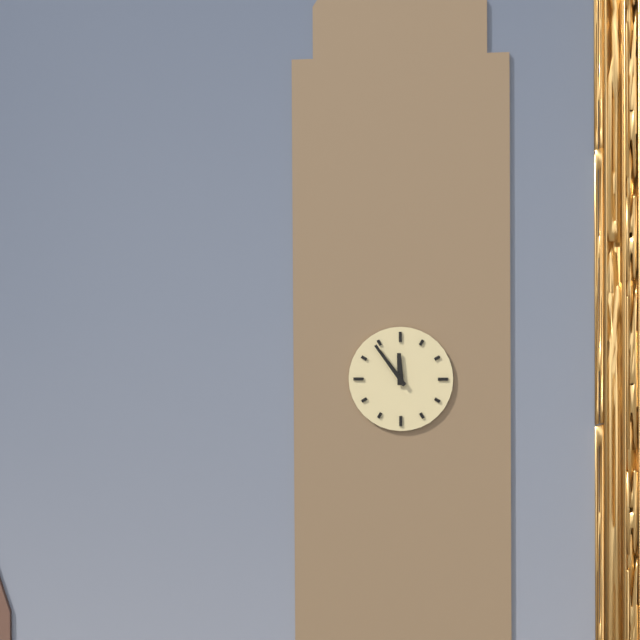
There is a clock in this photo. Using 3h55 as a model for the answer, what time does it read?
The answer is 11h54
